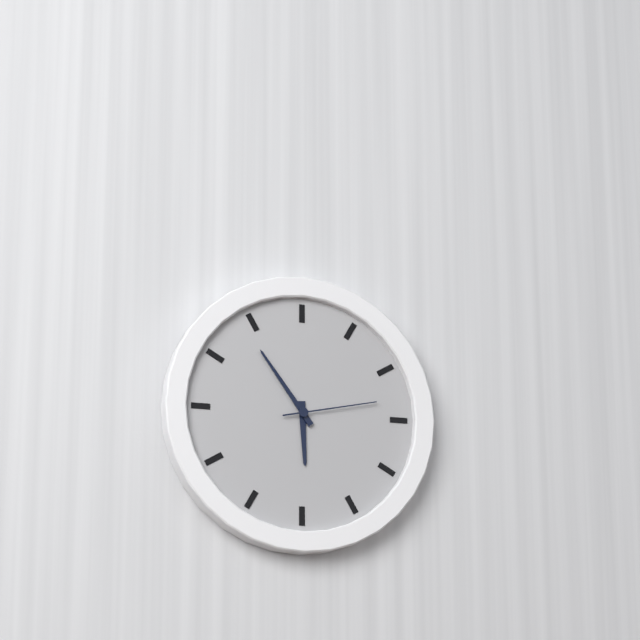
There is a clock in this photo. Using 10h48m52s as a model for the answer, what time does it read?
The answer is 5h54m13s
